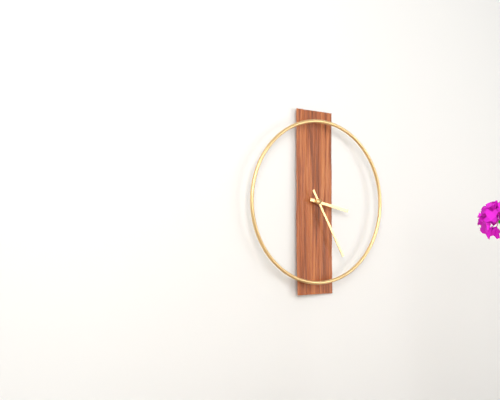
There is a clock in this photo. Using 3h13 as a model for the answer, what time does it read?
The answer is 3h25
